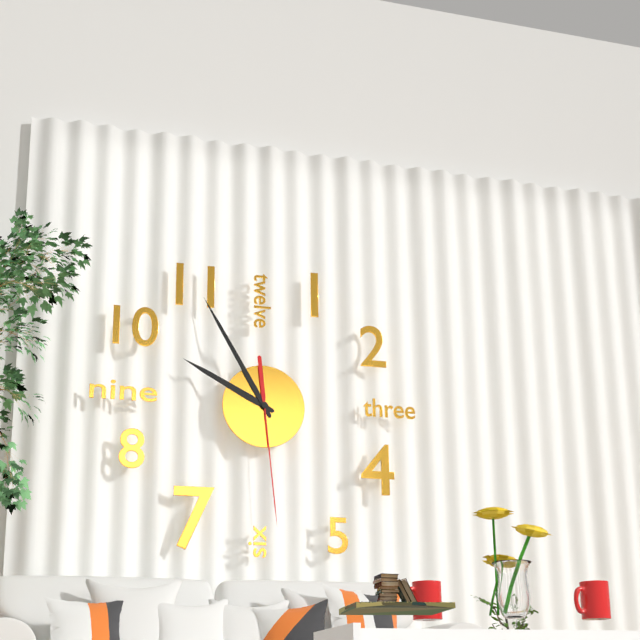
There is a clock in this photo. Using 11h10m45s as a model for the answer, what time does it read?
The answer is 9h55m29s
